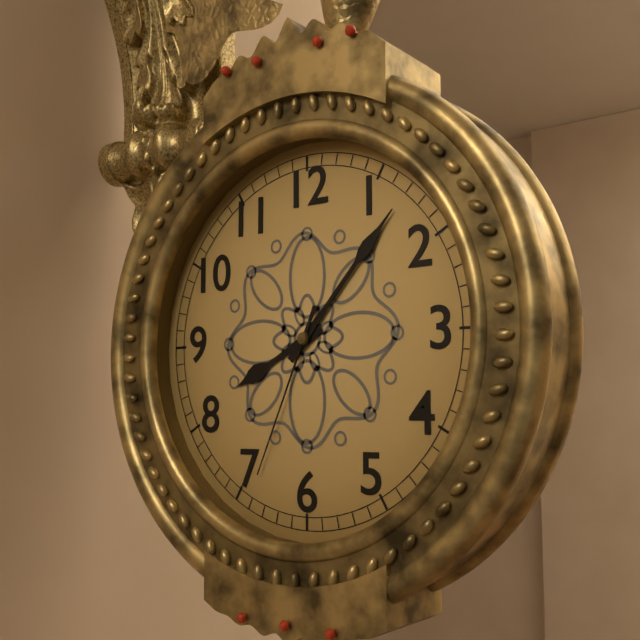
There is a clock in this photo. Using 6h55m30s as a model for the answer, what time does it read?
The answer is 8h07m34s
